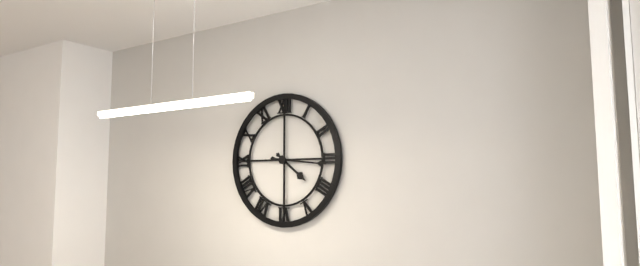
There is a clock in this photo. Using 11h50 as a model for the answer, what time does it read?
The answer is 4h16
